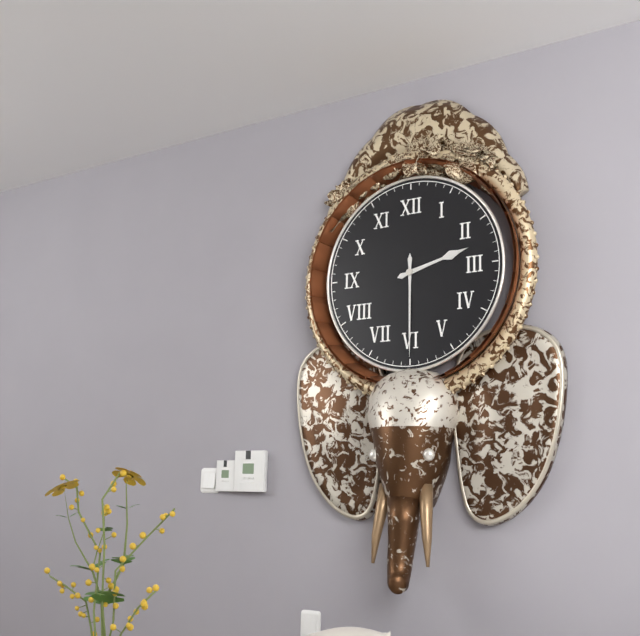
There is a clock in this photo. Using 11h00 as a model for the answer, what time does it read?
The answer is 2h30
